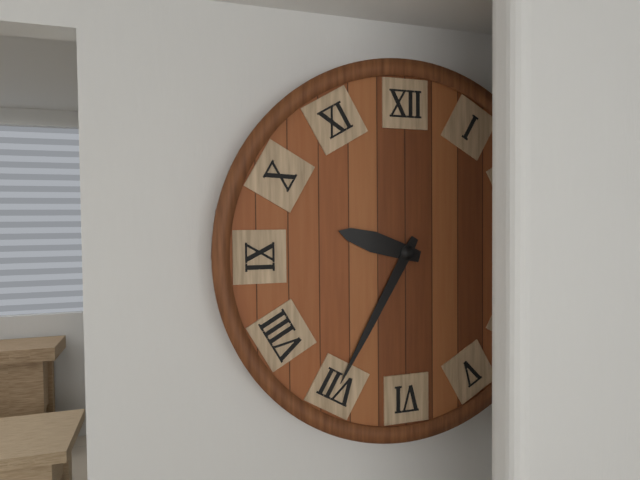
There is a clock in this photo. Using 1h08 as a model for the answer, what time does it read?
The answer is 9h35
